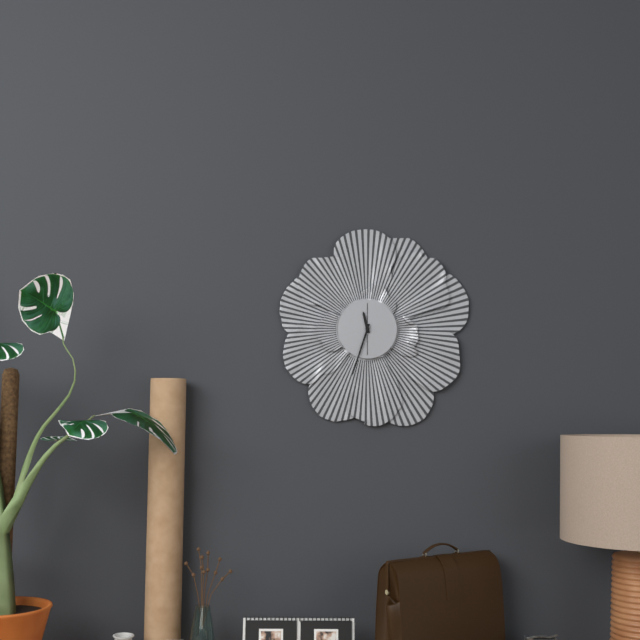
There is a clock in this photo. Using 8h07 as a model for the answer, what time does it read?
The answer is 11h33
